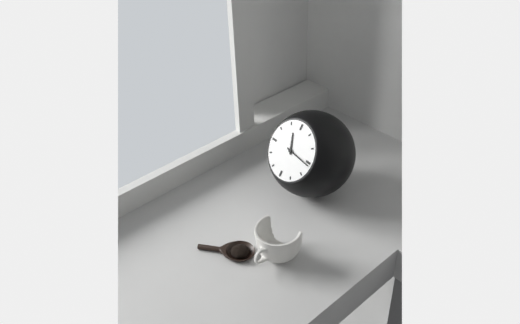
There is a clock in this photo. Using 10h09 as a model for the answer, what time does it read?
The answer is 11h16
